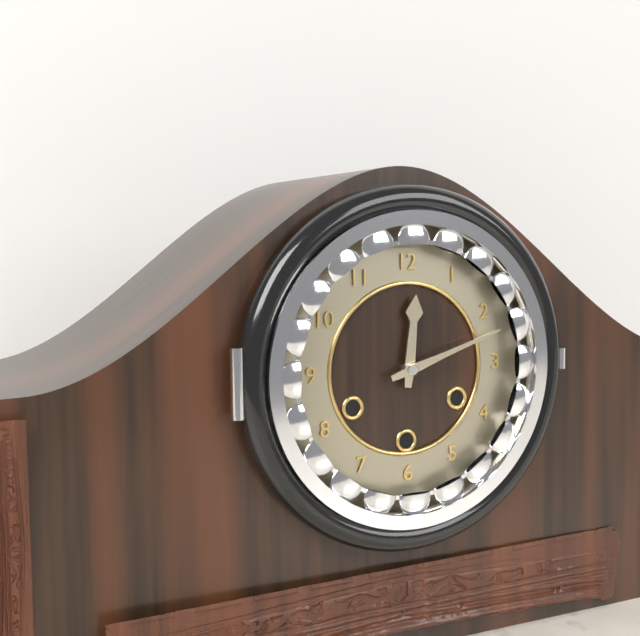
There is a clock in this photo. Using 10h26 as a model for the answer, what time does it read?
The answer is 12h12
